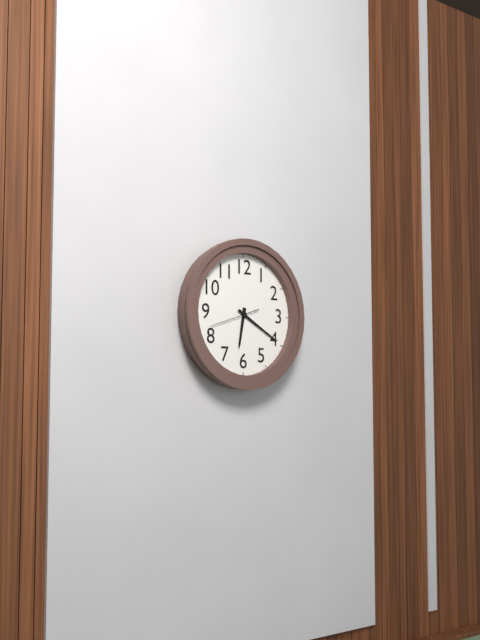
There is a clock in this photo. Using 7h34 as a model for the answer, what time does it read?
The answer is 6h20
